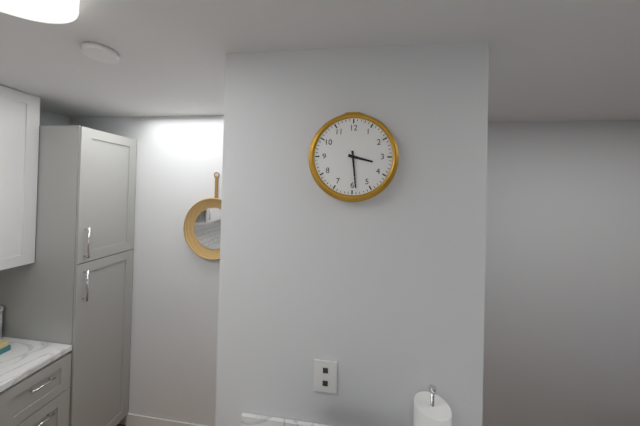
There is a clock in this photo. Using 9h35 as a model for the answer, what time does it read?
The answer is 3h29
